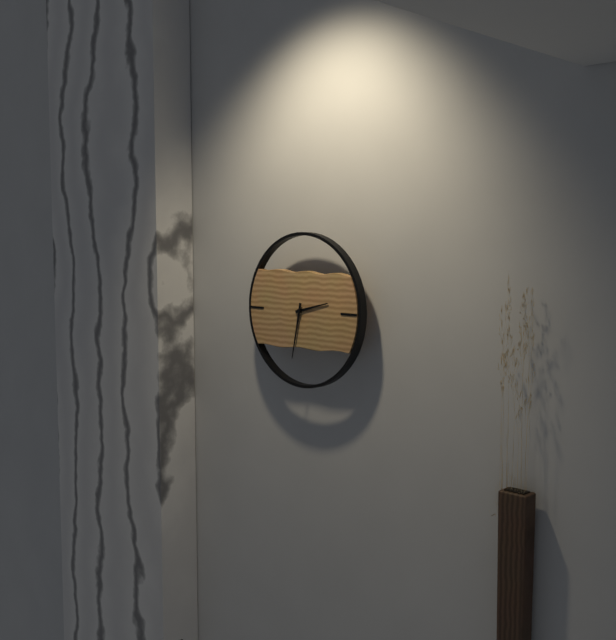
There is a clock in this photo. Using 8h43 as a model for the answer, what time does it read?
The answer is 2h32
